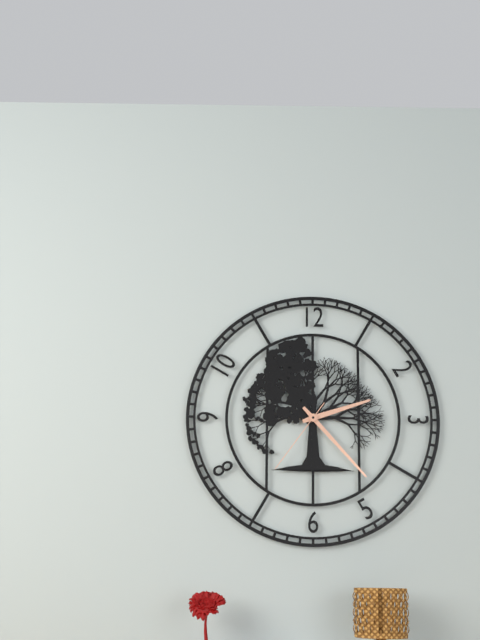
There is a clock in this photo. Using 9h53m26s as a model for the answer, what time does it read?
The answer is 2h23m36s
